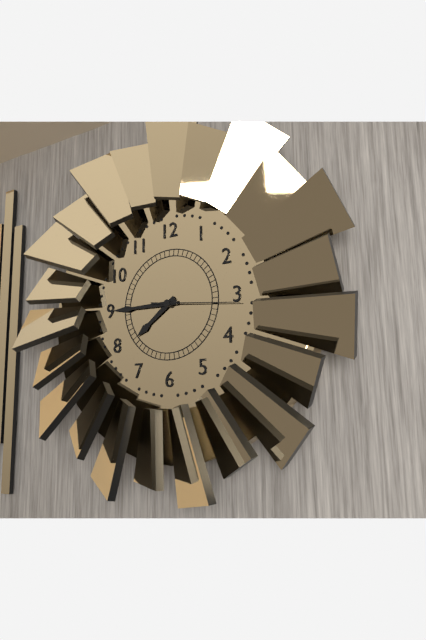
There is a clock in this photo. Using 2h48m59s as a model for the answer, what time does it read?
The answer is 7h45m16s
